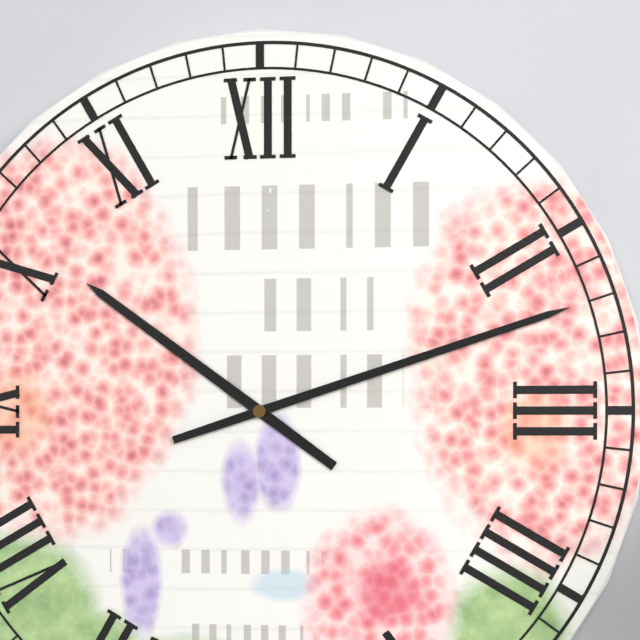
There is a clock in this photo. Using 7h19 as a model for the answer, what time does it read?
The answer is 10h12
